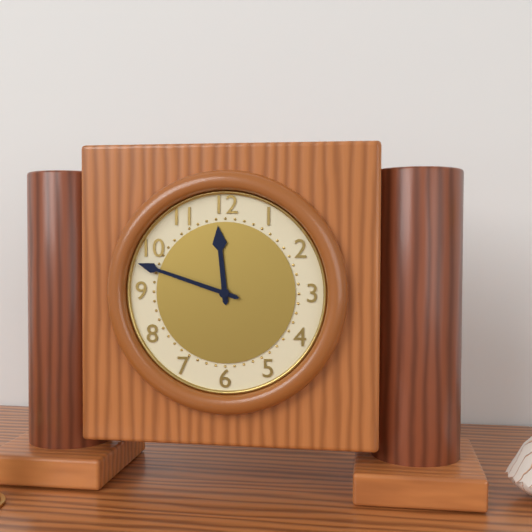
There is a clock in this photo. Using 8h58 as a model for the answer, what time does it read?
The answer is 11h48
